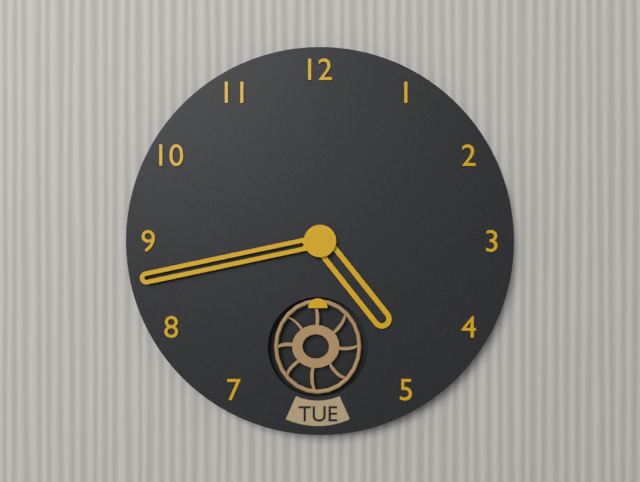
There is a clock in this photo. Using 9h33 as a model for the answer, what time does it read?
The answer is 4h43
